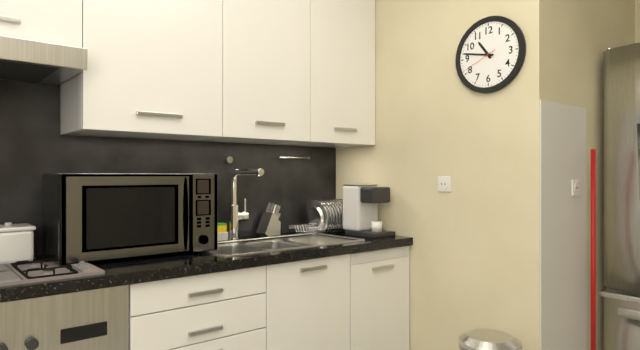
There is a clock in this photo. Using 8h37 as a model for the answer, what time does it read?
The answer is 10h47
